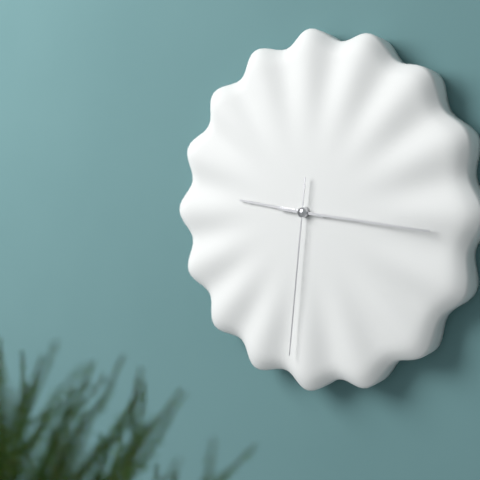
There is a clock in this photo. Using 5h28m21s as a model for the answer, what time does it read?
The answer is 9h16m31s
